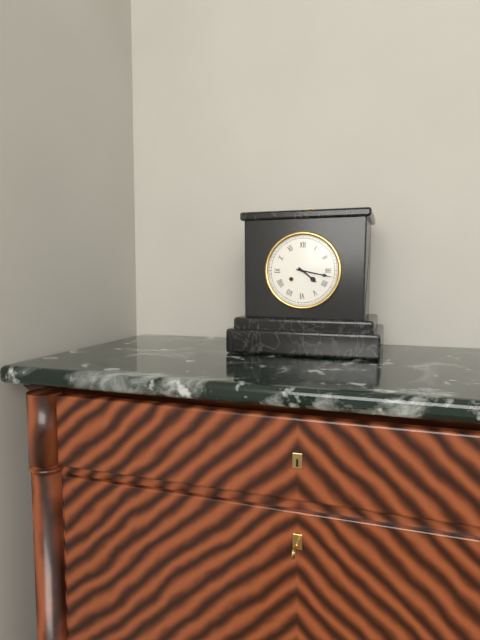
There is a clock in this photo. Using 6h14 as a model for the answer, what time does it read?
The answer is 4h17
